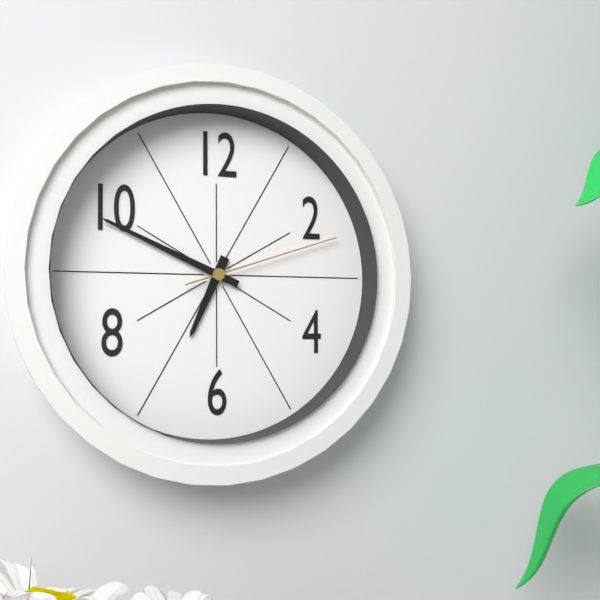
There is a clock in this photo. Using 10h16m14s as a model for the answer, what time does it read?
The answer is 6h49m12s
